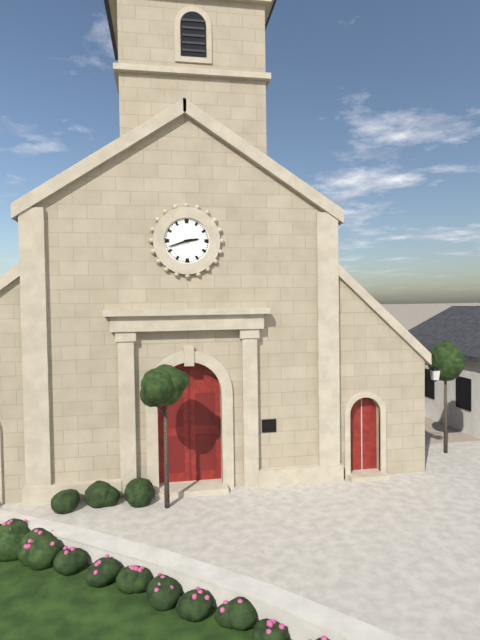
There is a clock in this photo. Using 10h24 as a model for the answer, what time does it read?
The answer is 2h42
